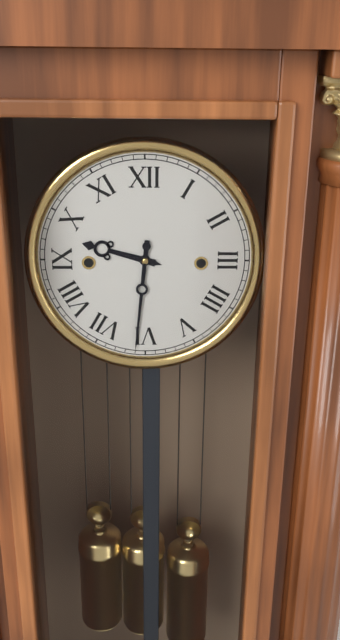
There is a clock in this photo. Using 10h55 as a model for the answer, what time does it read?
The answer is 9h31
